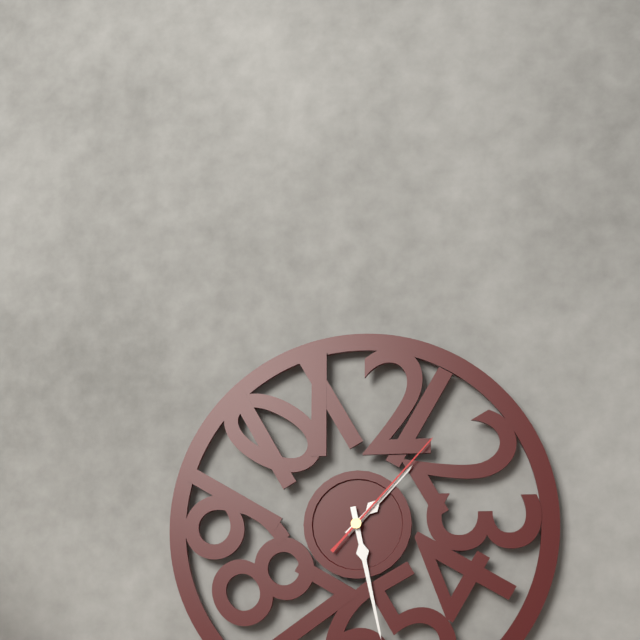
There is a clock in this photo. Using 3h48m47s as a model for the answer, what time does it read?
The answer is 1h28m07s
